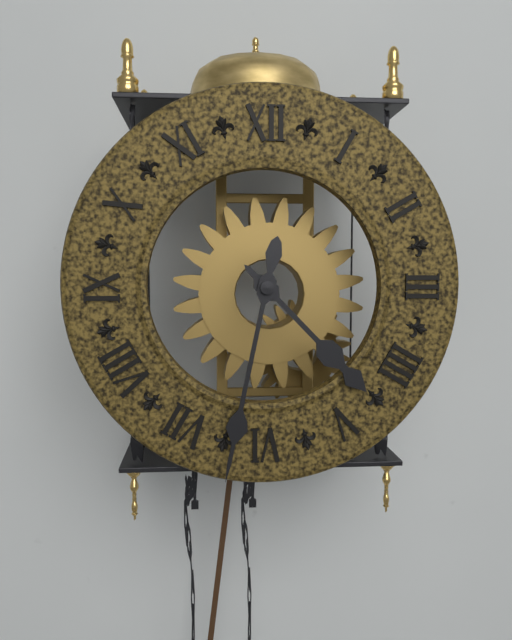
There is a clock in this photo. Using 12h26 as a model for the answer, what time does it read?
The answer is 4h32
